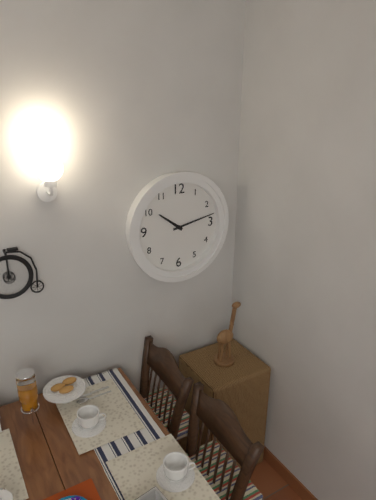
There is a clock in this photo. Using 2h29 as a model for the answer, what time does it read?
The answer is 10h13
